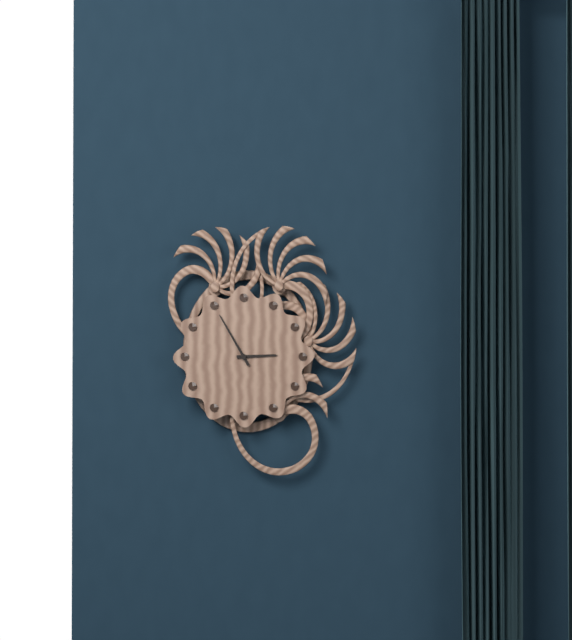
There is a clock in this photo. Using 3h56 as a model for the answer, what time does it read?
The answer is 2h55
